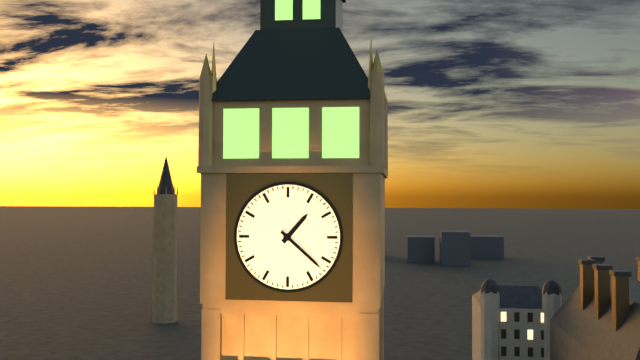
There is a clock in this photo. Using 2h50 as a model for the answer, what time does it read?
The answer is 1h22
